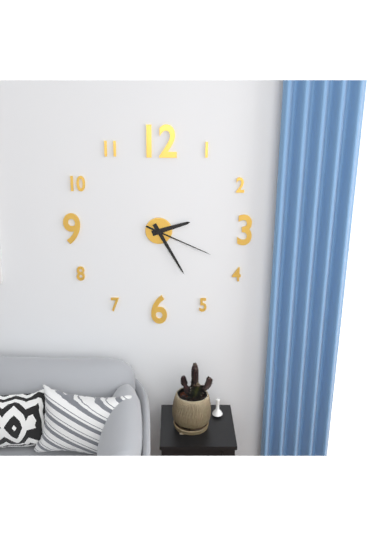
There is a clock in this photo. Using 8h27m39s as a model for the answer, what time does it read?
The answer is 2h25m19s
